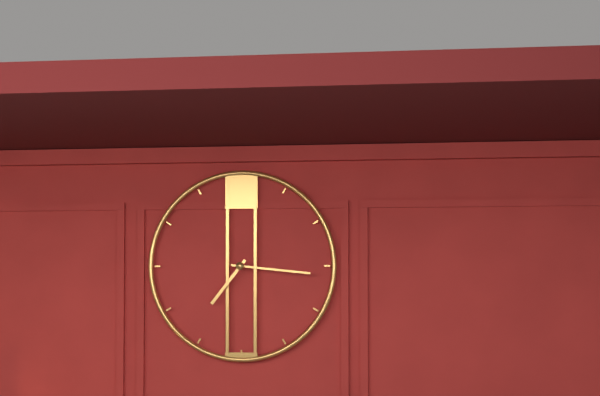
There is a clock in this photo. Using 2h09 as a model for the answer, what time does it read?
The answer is 7h16
